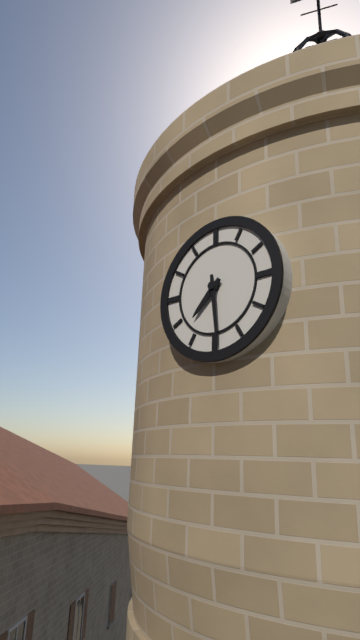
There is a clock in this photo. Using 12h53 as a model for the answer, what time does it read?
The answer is 7h29
